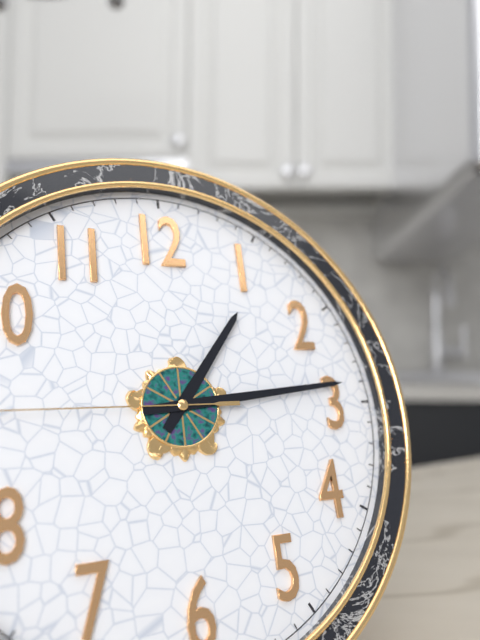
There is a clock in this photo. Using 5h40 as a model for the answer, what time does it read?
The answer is 1h14
